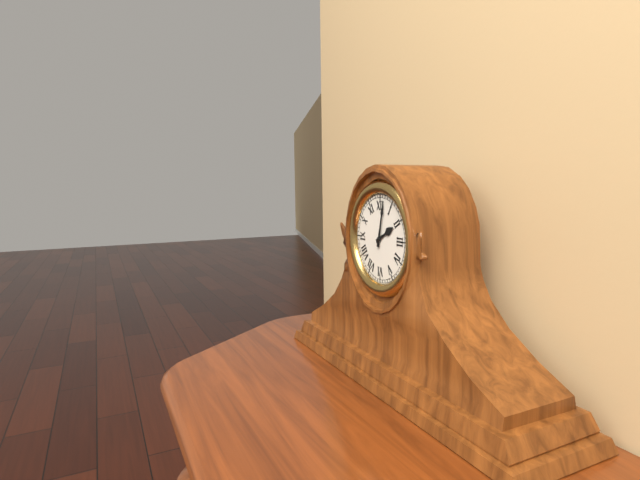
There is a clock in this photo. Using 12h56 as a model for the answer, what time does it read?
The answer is 2h02
